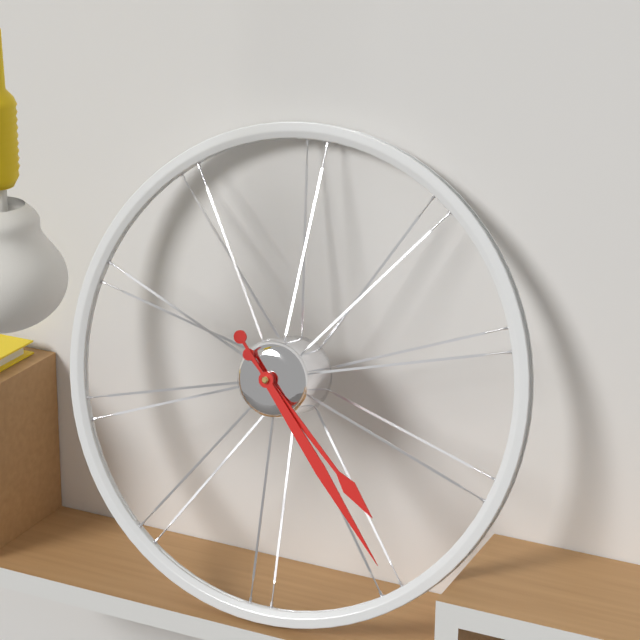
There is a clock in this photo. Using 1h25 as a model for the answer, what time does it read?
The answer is 4h23
